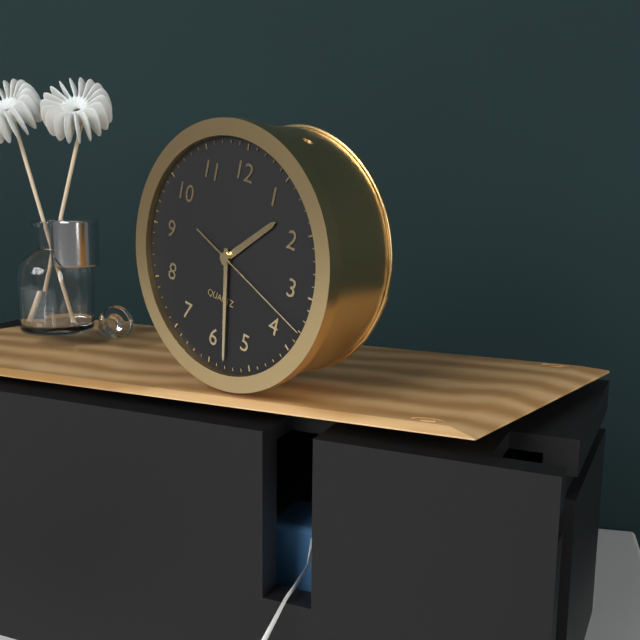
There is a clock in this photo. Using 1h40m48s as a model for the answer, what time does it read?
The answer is 1h28m18s
